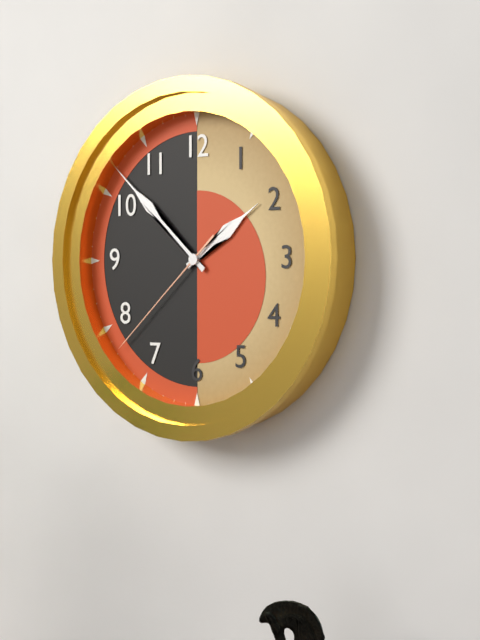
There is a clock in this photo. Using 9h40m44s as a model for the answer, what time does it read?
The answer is 1h52m38s
